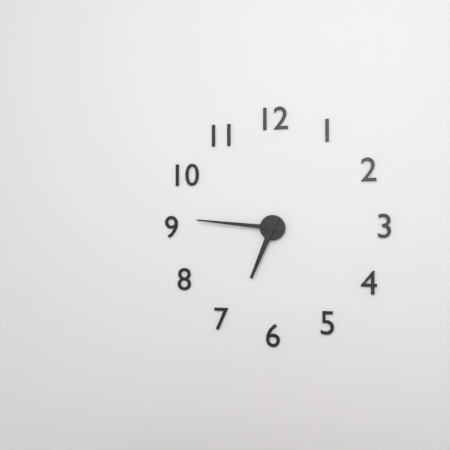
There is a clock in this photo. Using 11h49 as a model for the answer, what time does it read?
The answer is 6h46
